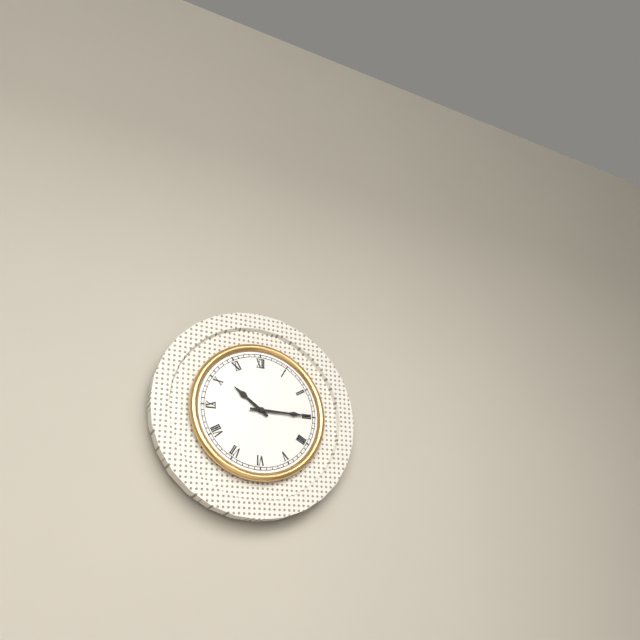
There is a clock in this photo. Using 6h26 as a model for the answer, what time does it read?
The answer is 10h15
